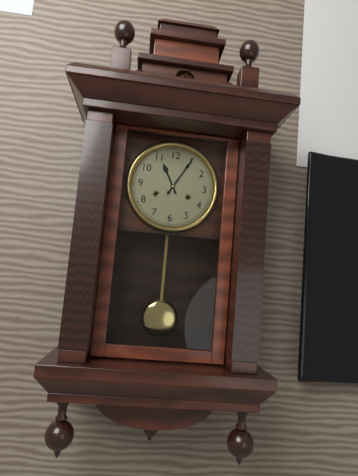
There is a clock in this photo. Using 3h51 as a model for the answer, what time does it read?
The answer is 11h05
